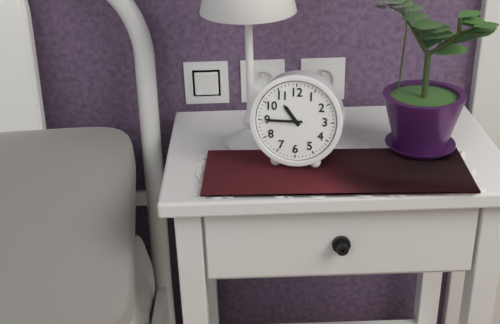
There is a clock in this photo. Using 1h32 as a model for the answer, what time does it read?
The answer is 10h45
